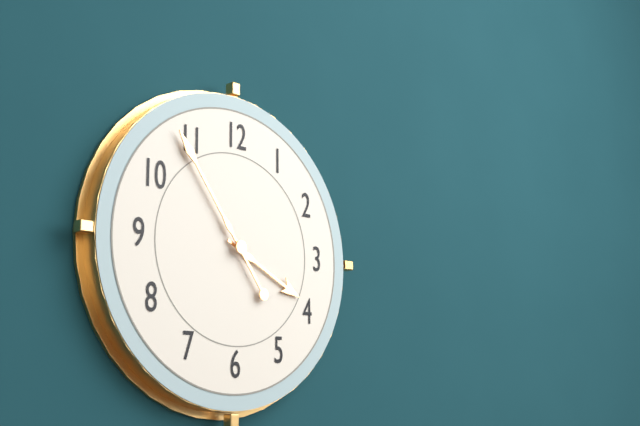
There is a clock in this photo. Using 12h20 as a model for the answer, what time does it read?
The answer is 3h54
